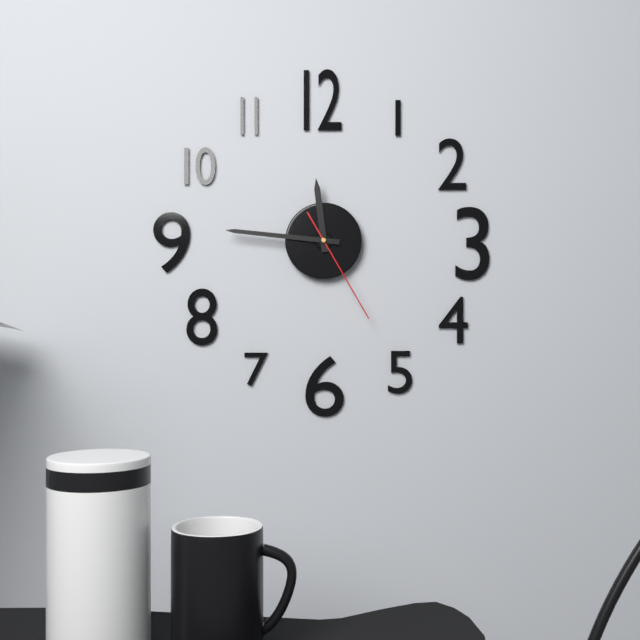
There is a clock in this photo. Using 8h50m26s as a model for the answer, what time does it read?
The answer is 11h46m25s
